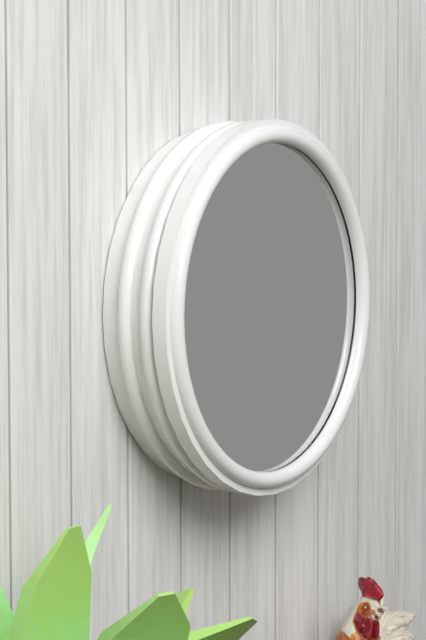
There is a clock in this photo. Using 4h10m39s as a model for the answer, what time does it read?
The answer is 10h55m04s
